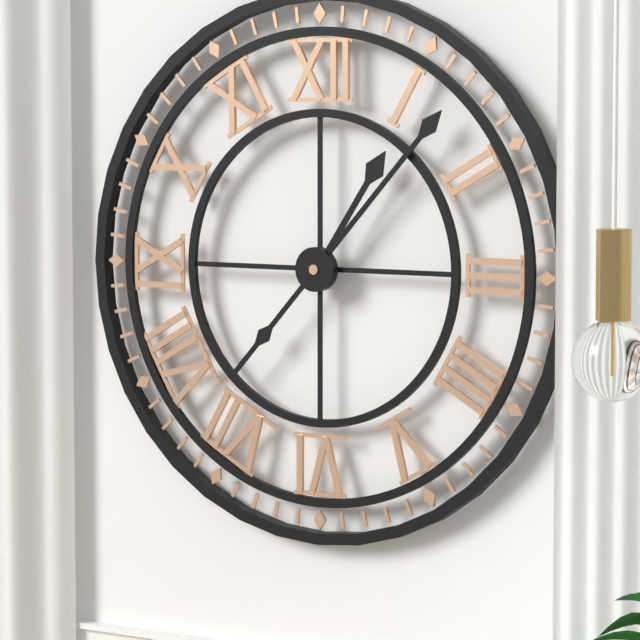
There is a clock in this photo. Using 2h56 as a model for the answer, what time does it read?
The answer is 1h07
